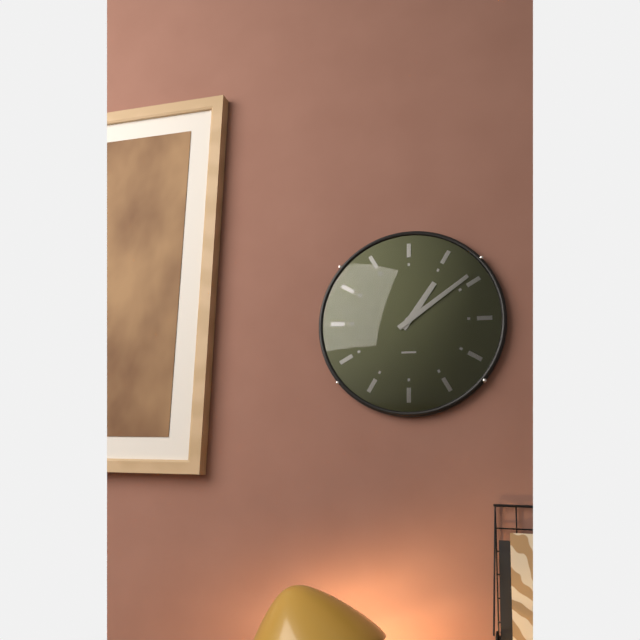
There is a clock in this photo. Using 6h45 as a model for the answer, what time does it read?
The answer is 1h09
